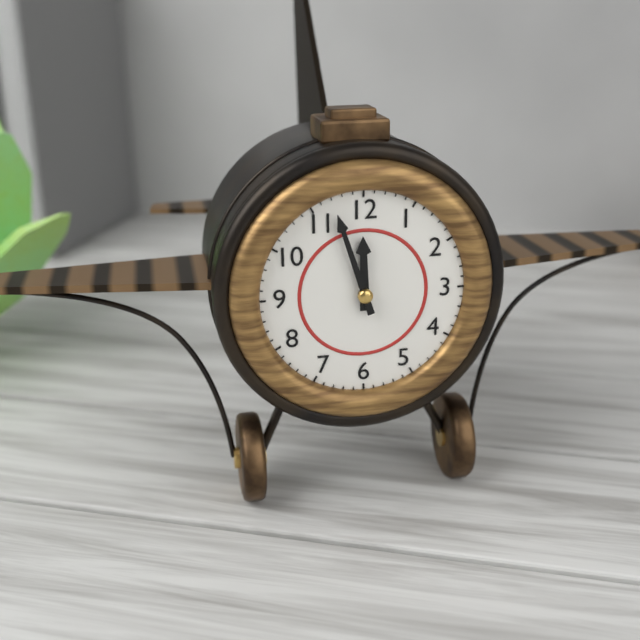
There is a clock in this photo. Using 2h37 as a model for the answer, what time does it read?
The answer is 11h57
